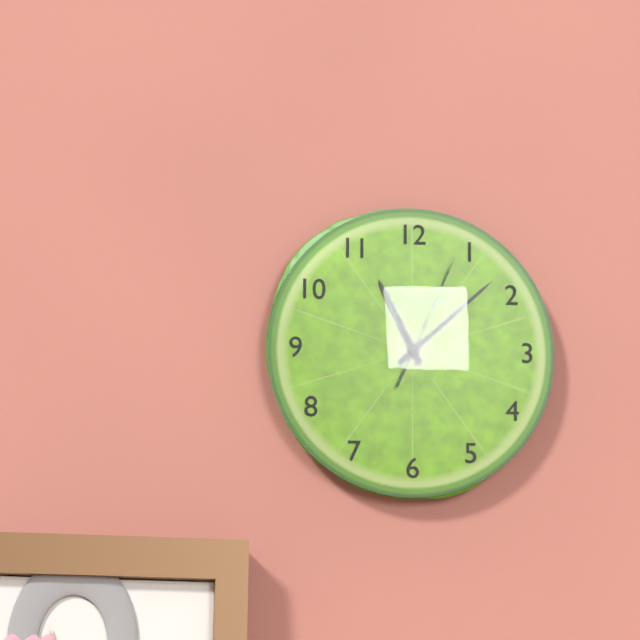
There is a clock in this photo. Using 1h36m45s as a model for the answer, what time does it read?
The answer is 11h08m04s
